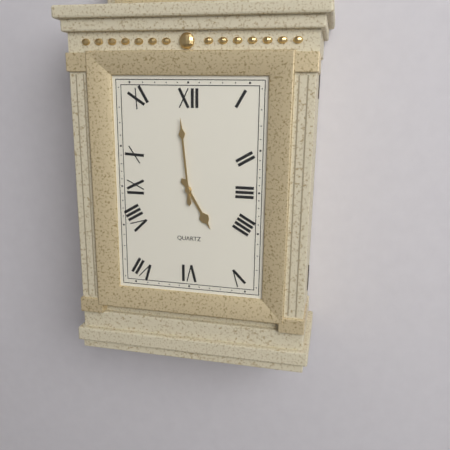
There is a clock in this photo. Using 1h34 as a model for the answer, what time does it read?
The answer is 4h59
